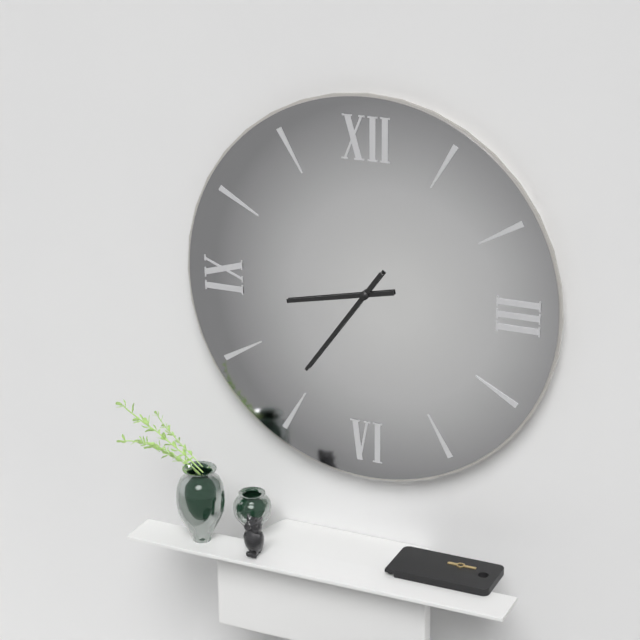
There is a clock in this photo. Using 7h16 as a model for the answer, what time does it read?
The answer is 8h36
